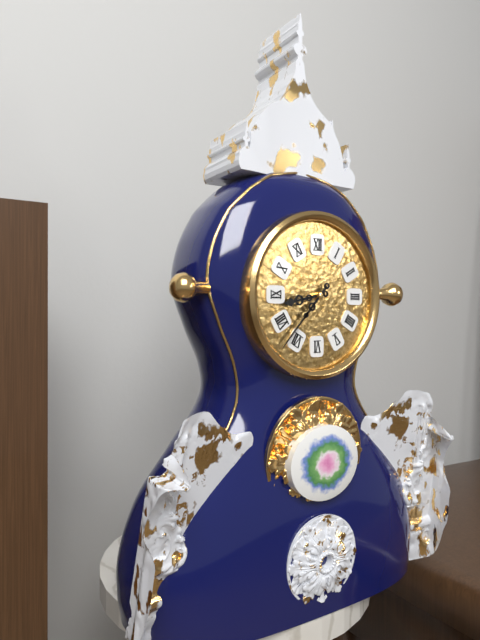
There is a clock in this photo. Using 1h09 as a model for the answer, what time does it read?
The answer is 8h37
